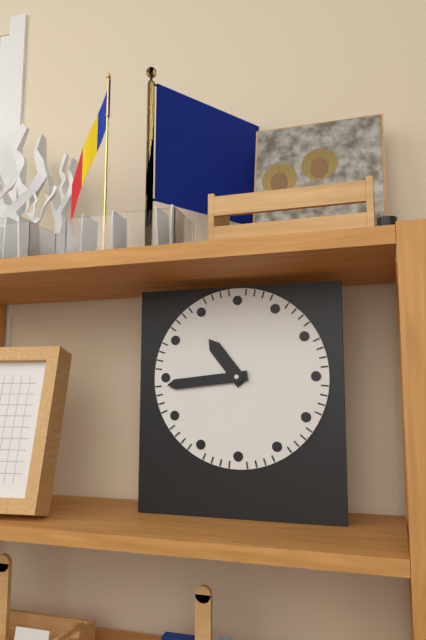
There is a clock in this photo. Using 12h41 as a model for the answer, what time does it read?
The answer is 10h44
